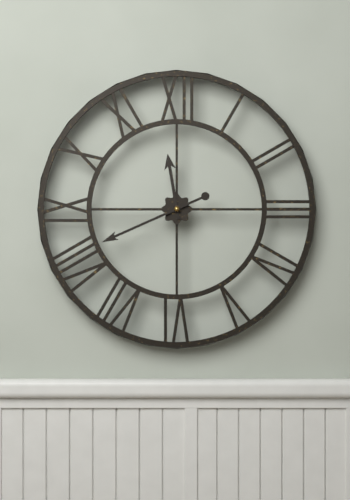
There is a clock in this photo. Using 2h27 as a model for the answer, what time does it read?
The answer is 11h41
